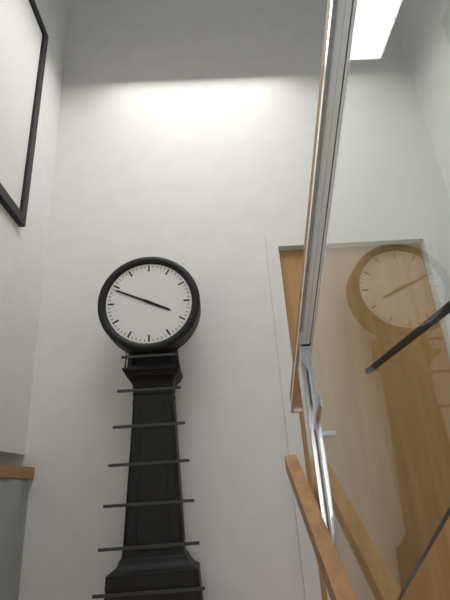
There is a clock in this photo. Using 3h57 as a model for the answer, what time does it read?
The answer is 3h49
